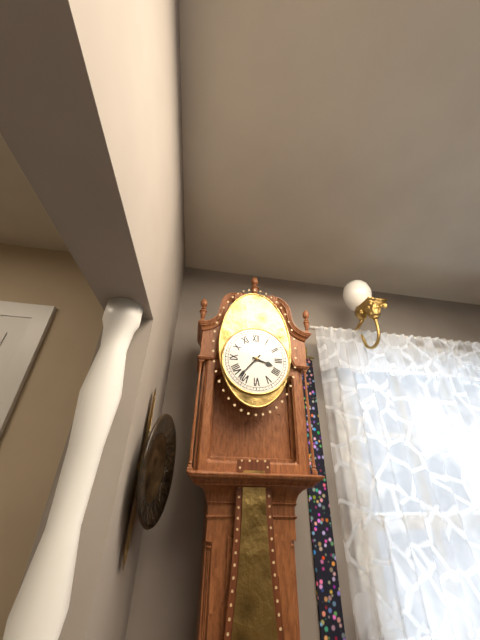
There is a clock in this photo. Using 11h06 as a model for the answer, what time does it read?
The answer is 3h37
